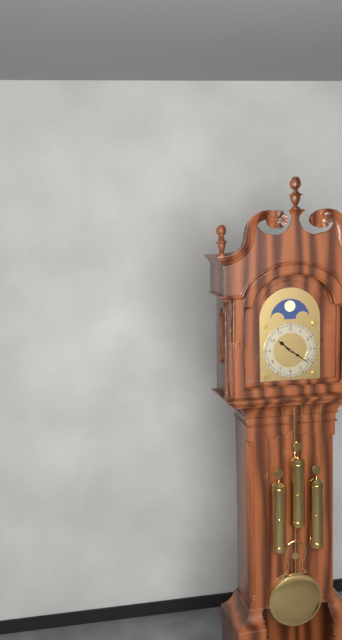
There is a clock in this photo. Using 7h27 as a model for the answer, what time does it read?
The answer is 10h21
